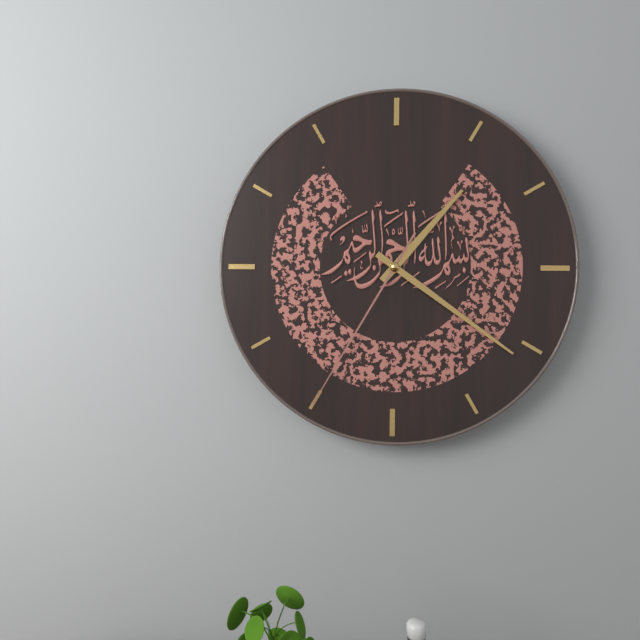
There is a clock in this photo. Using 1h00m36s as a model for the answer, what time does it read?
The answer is 1h21m35s
